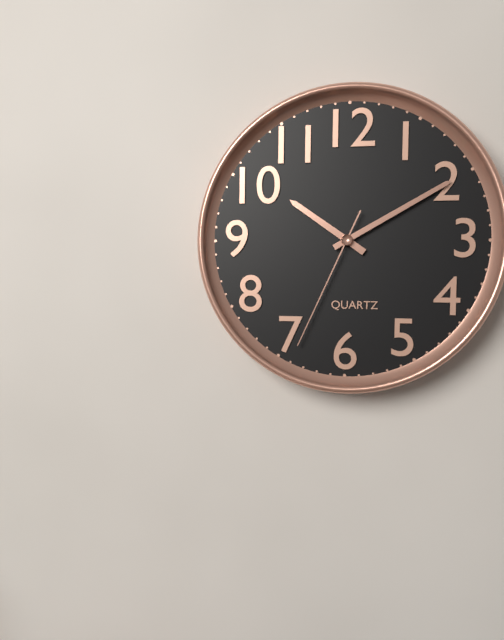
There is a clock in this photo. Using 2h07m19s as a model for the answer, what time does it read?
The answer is 10h10m34s
